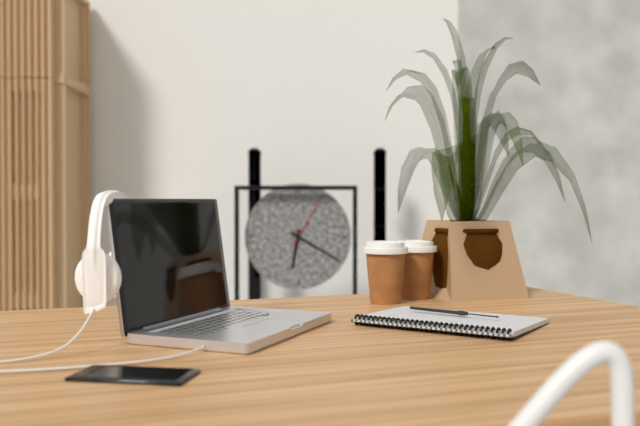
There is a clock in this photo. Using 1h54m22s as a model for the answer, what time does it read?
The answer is 6h20m05s
